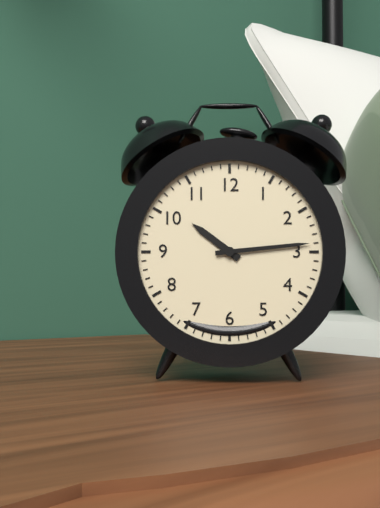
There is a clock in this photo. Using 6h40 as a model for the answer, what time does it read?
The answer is 10h14
